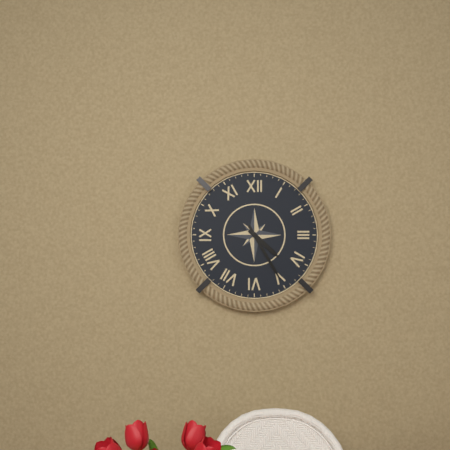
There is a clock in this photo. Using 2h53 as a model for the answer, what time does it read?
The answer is 4h25
